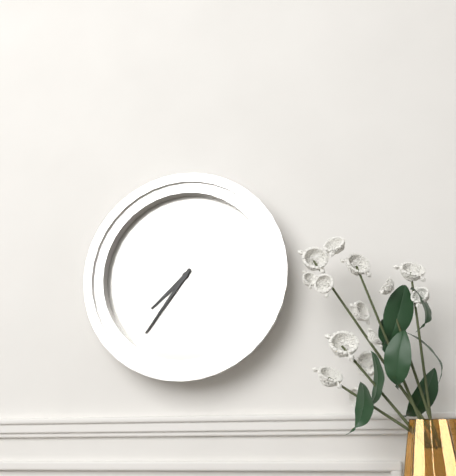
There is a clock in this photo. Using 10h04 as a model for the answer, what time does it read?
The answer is 7h36
